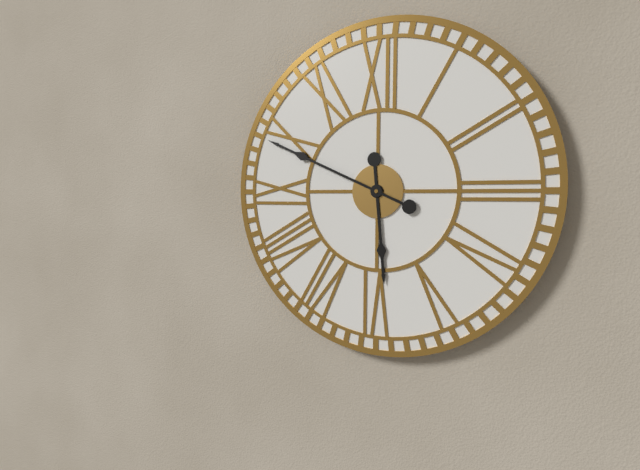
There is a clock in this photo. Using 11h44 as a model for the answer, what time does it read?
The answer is 5h49
